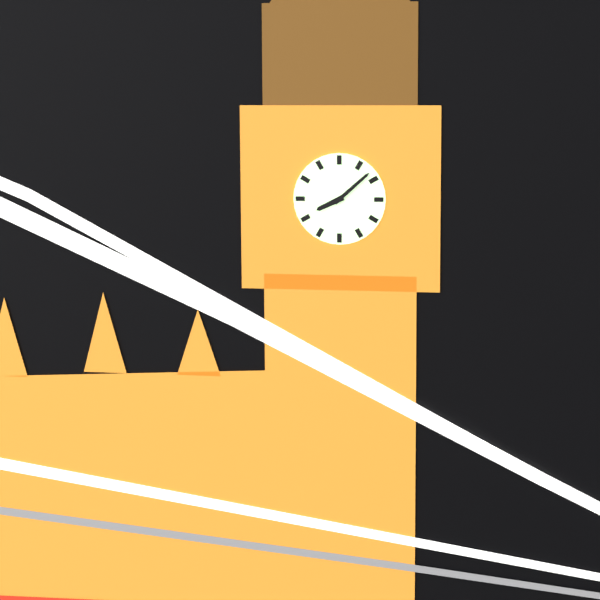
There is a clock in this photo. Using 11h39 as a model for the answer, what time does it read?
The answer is 8h08
